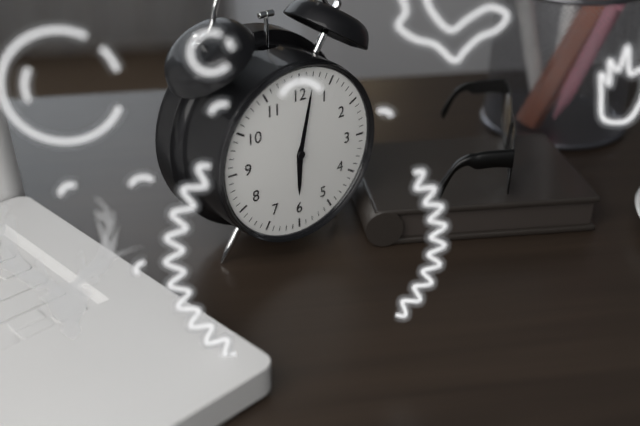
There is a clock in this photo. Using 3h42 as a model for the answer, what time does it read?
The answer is 6h02
